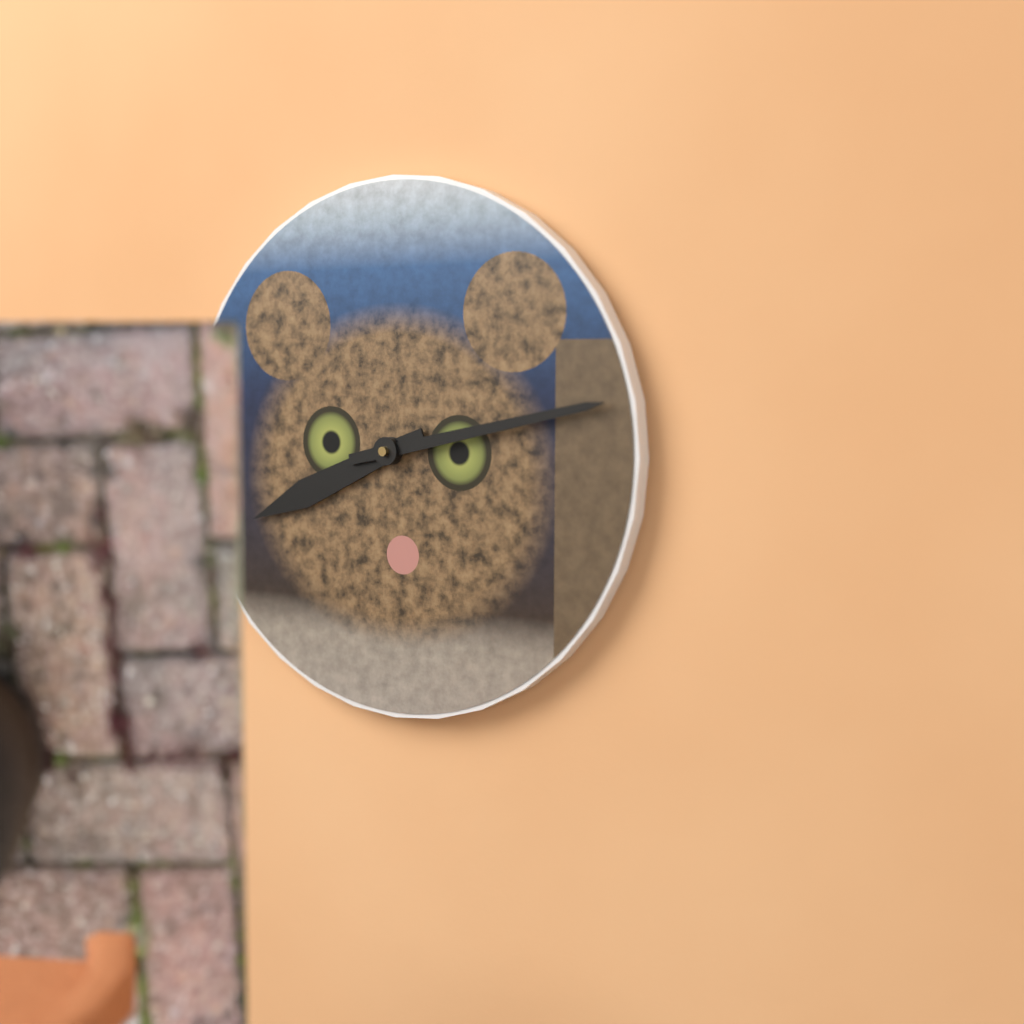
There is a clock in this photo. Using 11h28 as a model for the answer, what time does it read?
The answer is 8h13
